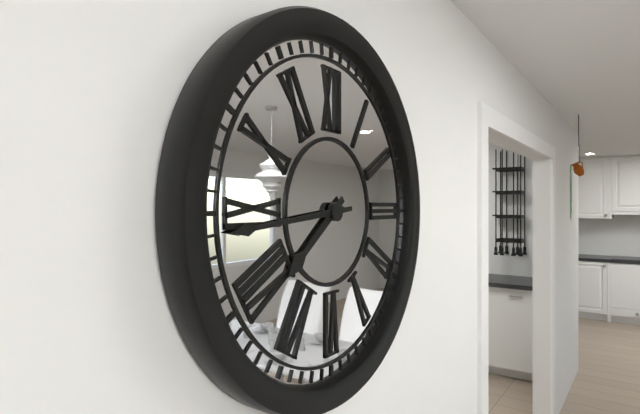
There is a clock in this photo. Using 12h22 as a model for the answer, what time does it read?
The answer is 7h44
